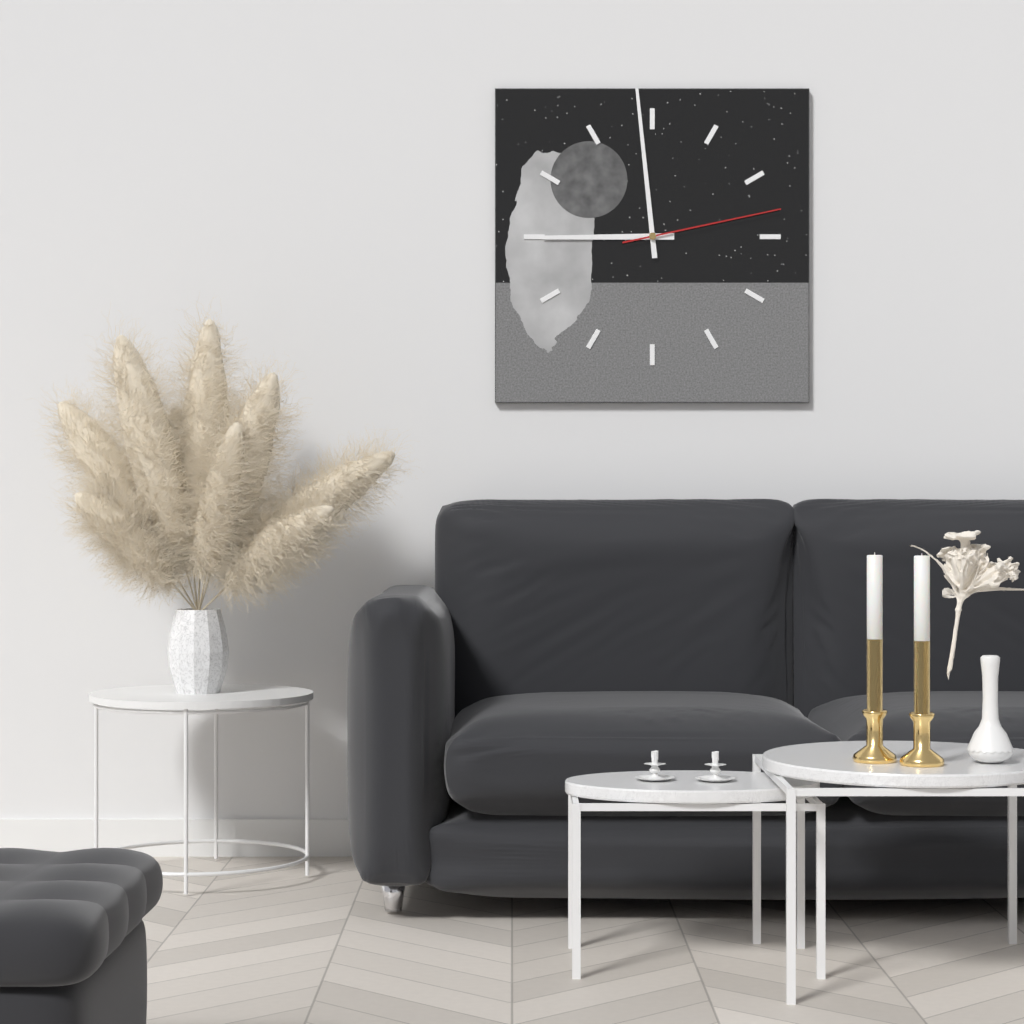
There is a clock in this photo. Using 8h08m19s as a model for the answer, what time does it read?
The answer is 8h59m13s
